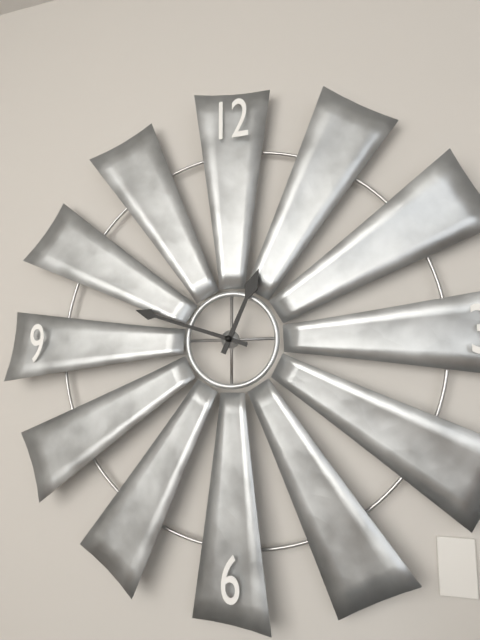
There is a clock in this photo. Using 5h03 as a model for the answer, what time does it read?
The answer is 12h48
